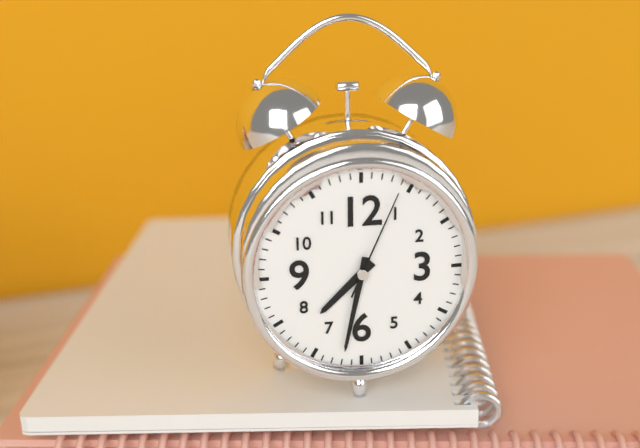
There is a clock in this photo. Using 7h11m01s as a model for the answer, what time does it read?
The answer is 7h32m04s
